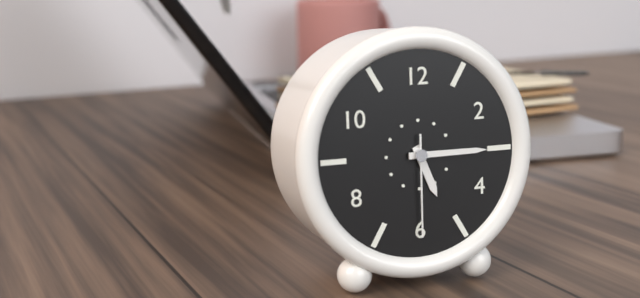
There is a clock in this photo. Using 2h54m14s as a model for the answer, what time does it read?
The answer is 5h15m30s
